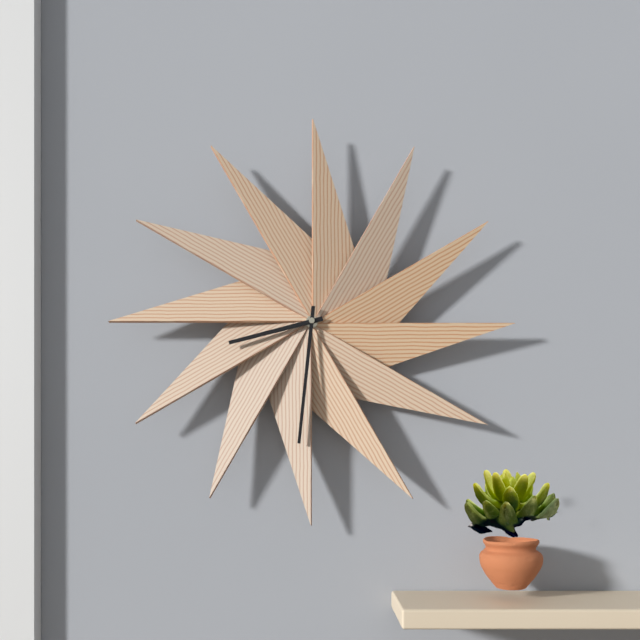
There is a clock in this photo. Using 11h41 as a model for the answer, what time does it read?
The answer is 8h31
